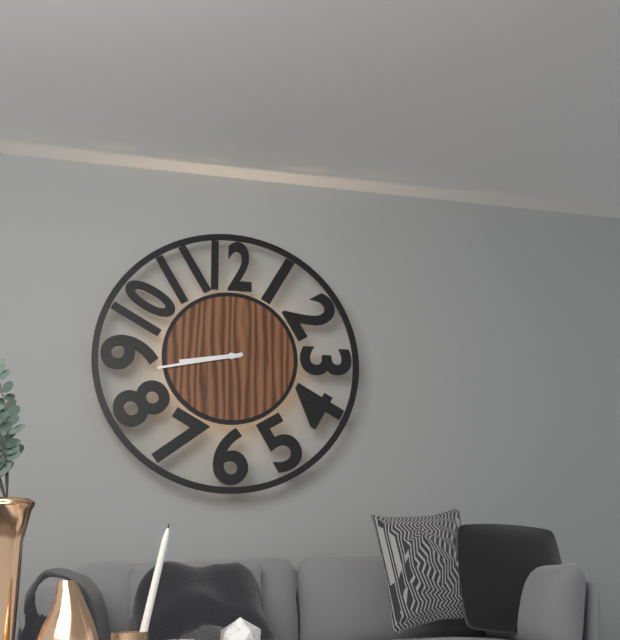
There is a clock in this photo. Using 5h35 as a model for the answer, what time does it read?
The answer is 8h43
